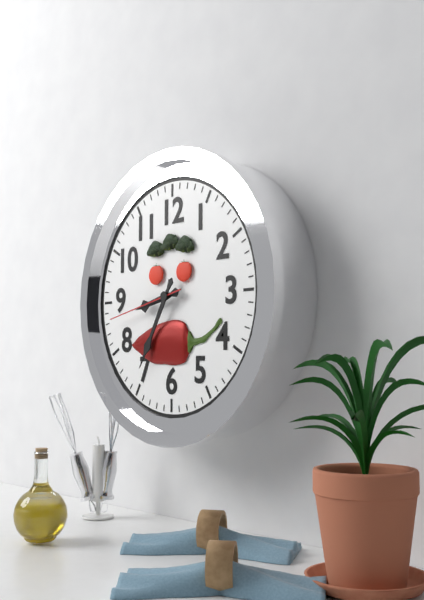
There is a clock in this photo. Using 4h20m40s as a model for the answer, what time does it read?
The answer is 8h35m43s
